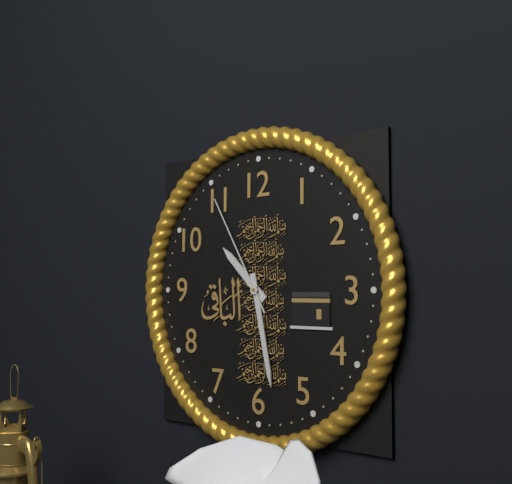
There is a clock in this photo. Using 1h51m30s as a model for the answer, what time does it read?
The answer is 10h28m55s
